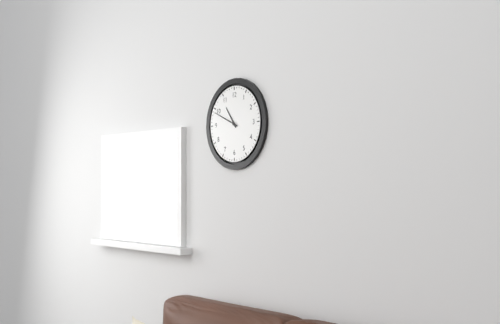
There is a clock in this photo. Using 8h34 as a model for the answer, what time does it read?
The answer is 10h49
